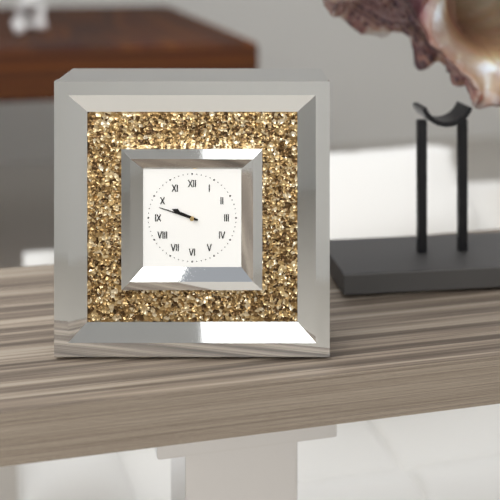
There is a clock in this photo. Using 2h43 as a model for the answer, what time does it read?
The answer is 9h48
